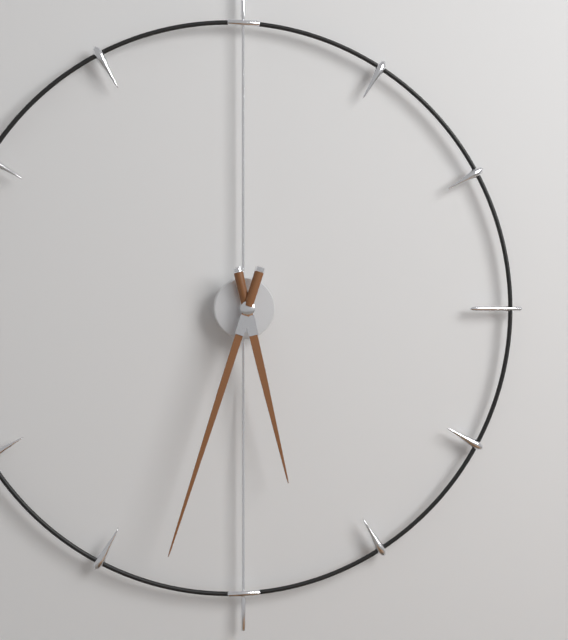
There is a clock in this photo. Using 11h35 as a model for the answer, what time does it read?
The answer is 5h33
